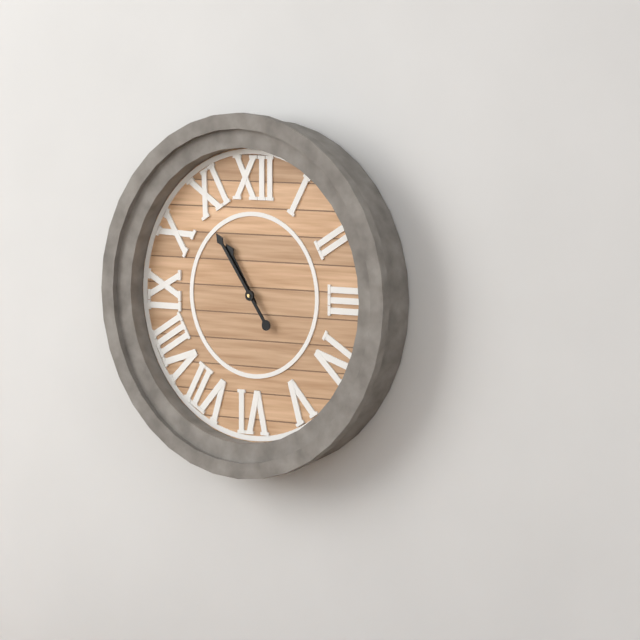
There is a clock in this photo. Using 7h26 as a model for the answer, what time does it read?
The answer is 10h54
